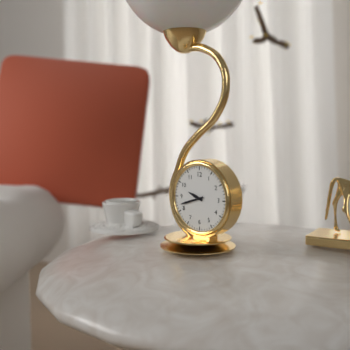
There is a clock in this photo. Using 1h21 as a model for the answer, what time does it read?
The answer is 9h42
